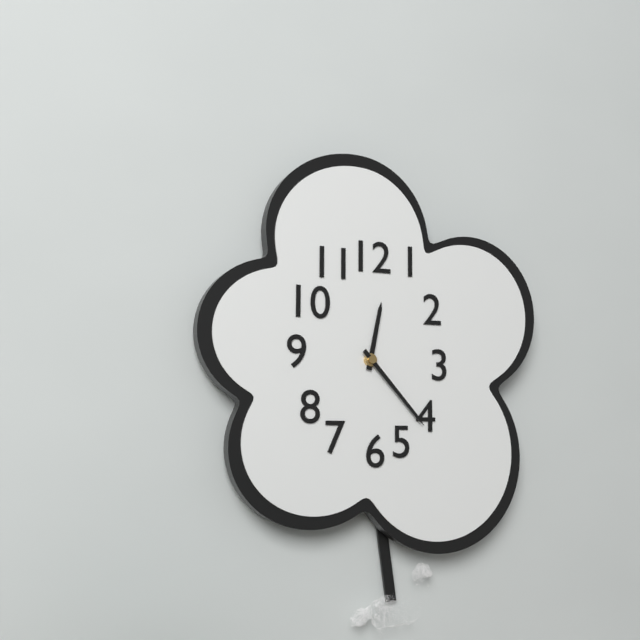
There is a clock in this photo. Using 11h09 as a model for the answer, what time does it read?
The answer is 12h23
